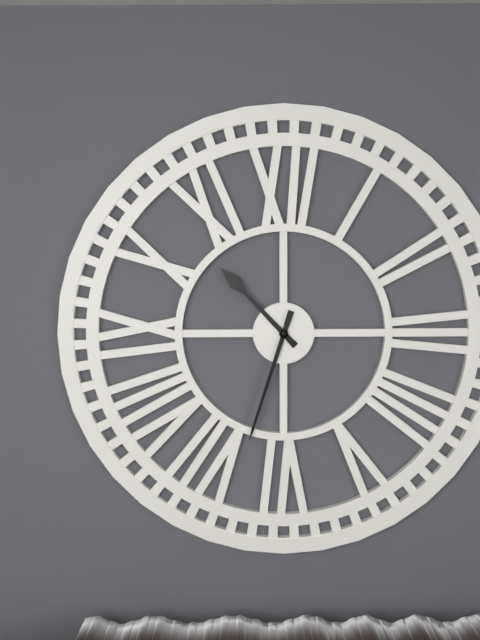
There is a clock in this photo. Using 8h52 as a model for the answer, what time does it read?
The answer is 10h33
